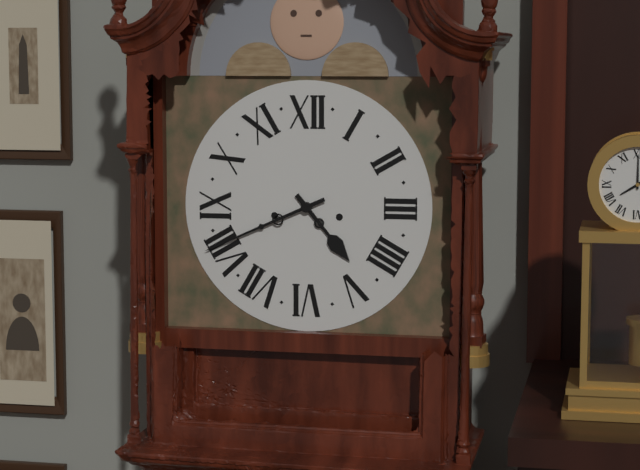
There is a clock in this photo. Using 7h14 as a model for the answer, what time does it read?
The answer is 4h41
